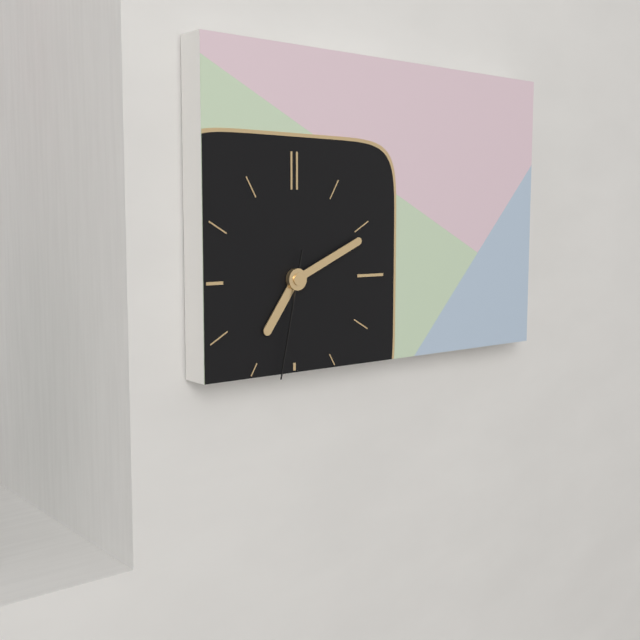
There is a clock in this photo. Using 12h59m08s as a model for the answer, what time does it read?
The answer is 7h11m32s
